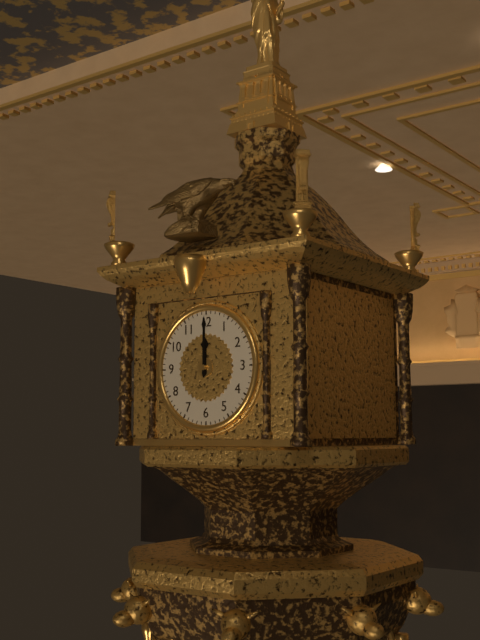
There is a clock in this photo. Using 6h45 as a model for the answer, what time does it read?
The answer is 12h00
